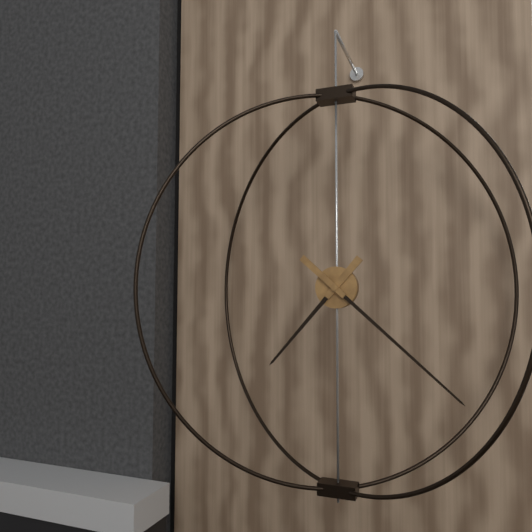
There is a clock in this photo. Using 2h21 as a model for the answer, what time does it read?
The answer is 7h22
